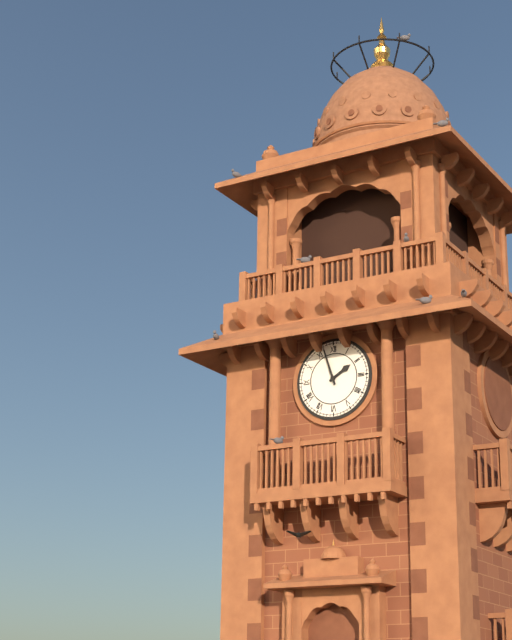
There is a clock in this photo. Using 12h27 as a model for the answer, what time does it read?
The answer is 1h57
